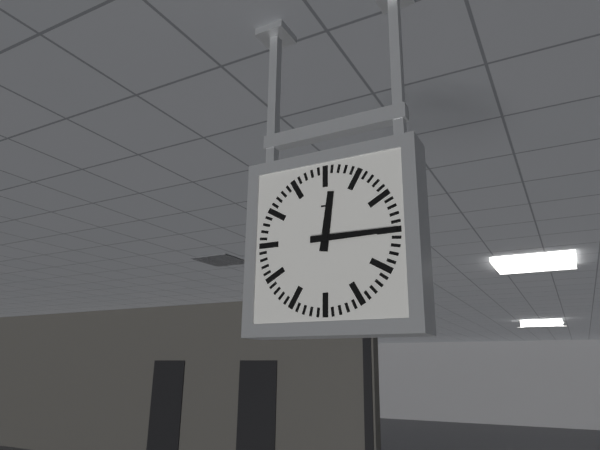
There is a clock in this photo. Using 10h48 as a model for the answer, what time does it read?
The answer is 12h15
